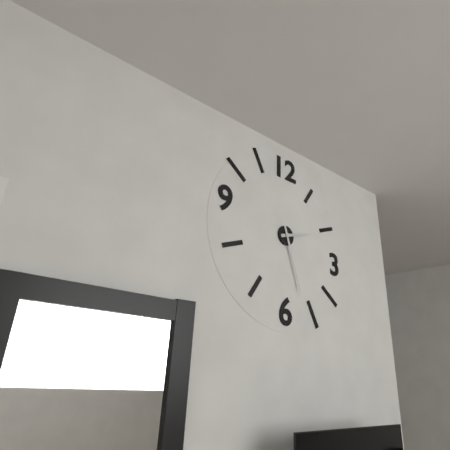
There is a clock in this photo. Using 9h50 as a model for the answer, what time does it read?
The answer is 2h27
